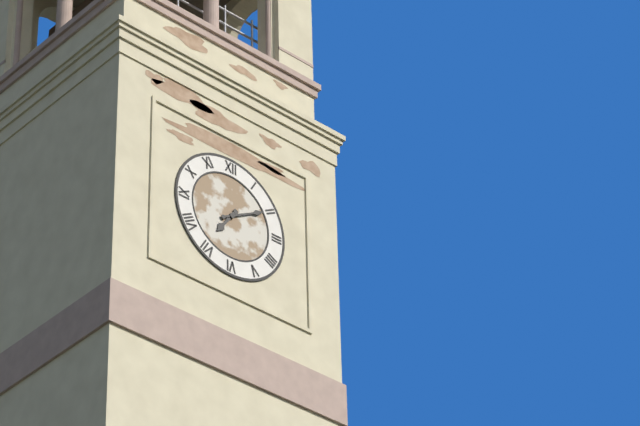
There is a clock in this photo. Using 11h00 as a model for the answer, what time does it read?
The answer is 7h10
